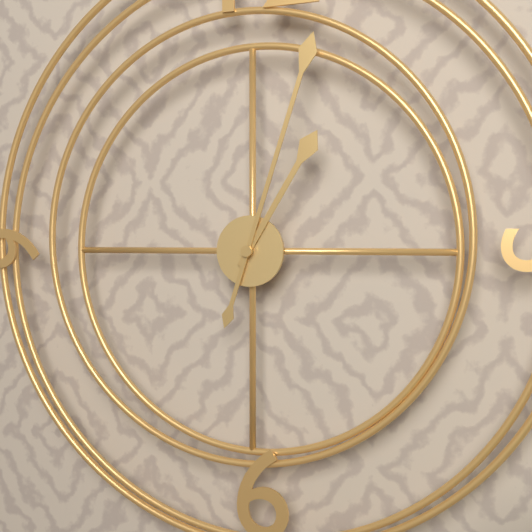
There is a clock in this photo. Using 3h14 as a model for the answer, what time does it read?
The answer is 1h03
